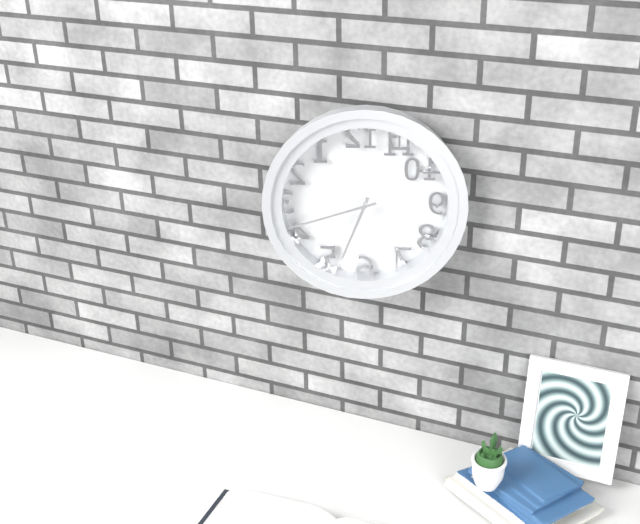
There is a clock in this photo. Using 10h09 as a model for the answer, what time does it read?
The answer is 6h42
